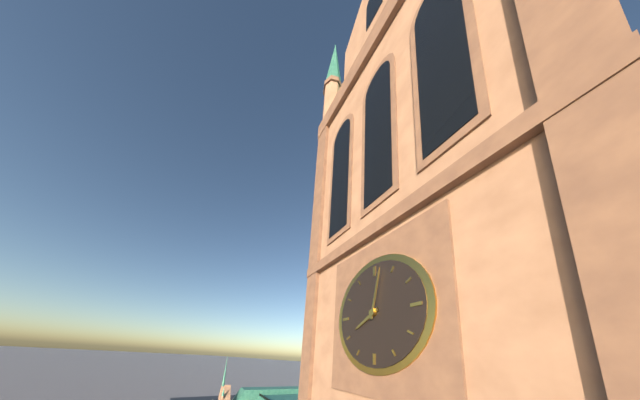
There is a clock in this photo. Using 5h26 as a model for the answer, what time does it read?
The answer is 8h02
